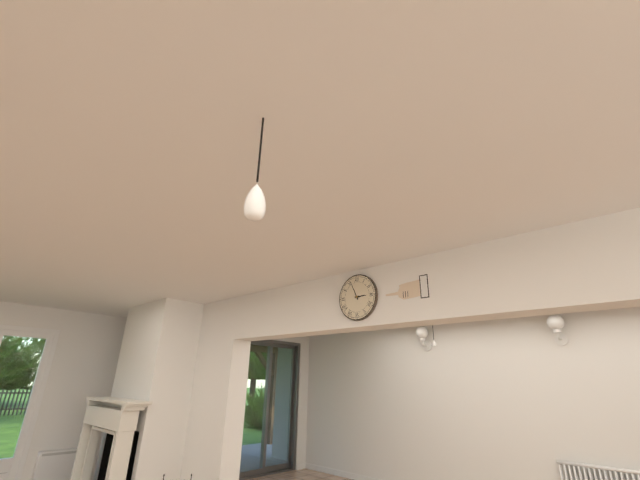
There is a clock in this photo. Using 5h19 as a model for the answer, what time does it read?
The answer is 2h56
